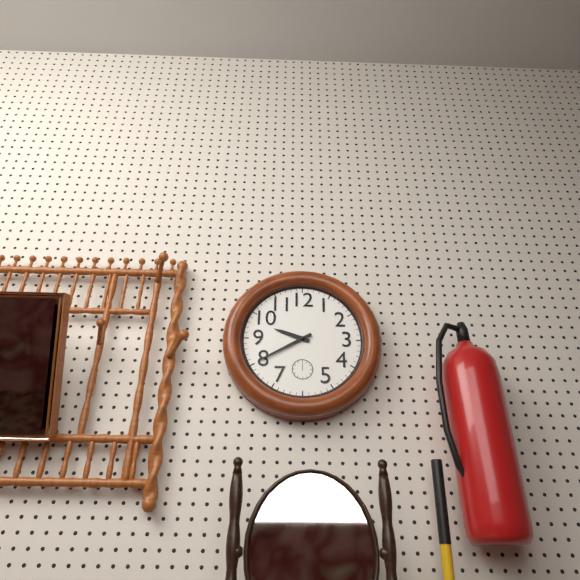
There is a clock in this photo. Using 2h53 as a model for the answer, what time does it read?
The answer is 9h40
